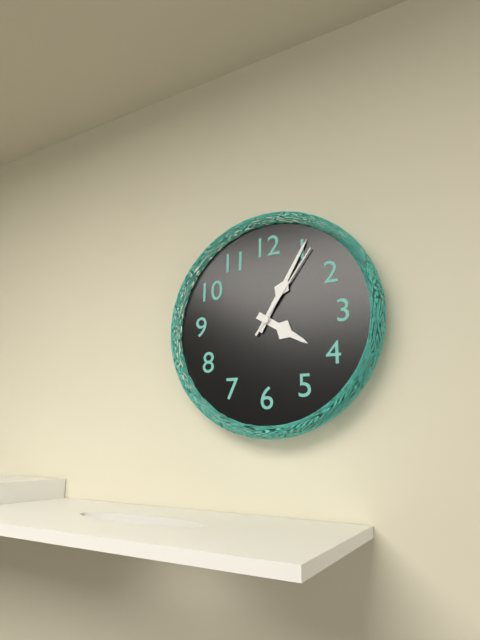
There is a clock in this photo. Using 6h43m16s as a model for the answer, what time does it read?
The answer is 4h05m06s
